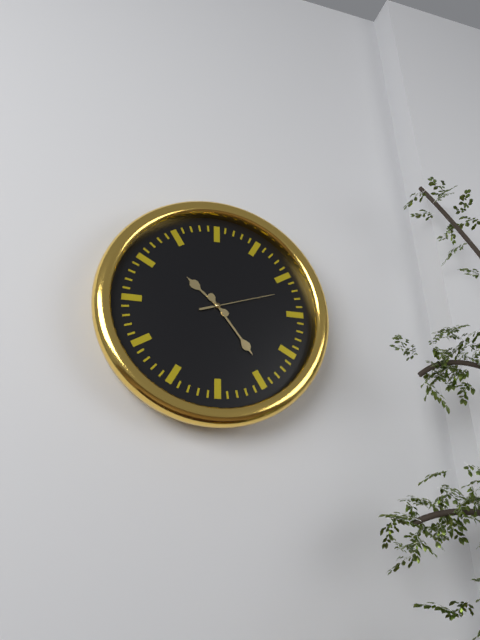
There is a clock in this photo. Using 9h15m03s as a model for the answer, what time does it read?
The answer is 10h24m12s
